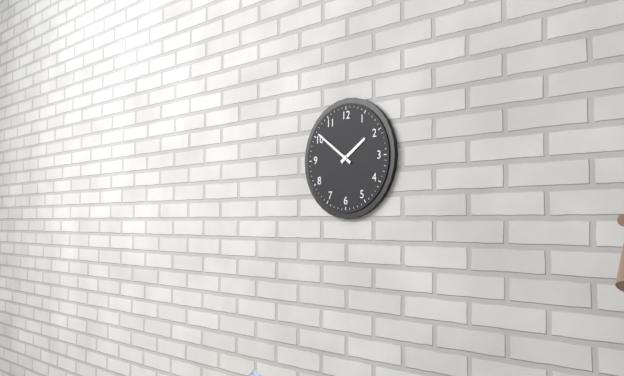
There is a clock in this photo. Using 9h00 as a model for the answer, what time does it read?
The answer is 1h51
